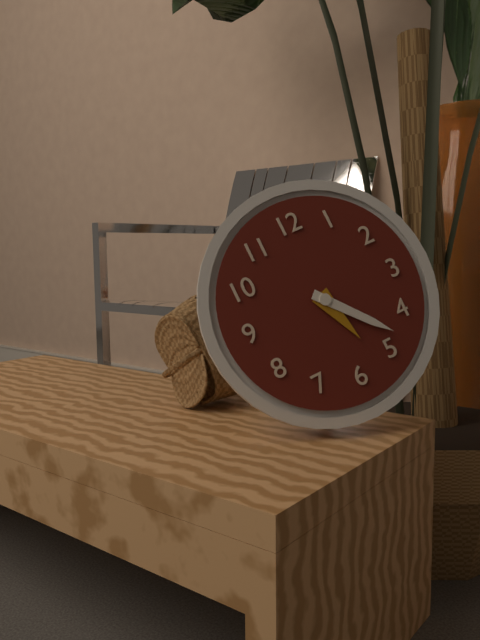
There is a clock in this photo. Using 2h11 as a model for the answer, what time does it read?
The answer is 5h23
